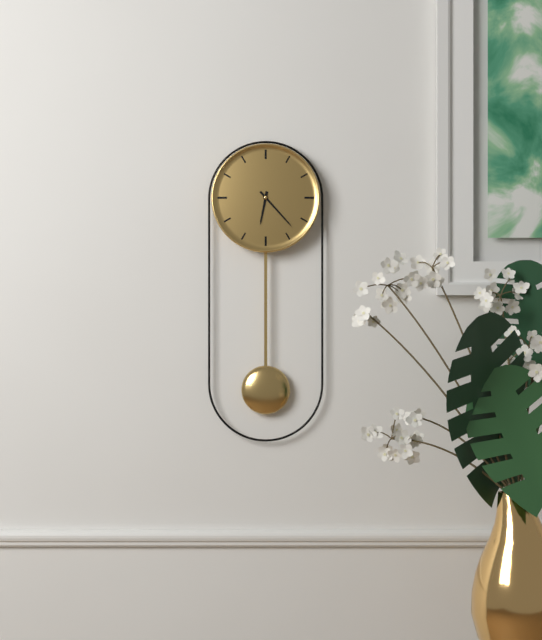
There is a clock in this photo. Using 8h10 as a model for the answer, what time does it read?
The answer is 6h23
